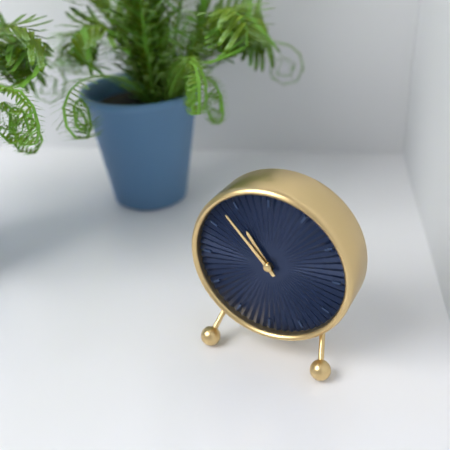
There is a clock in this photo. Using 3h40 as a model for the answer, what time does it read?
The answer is 10h53
